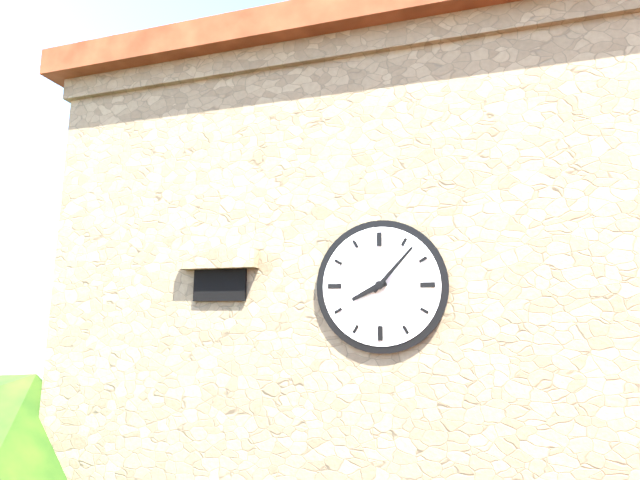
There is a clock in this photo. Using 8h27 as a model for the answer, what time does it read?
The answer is 8h07
